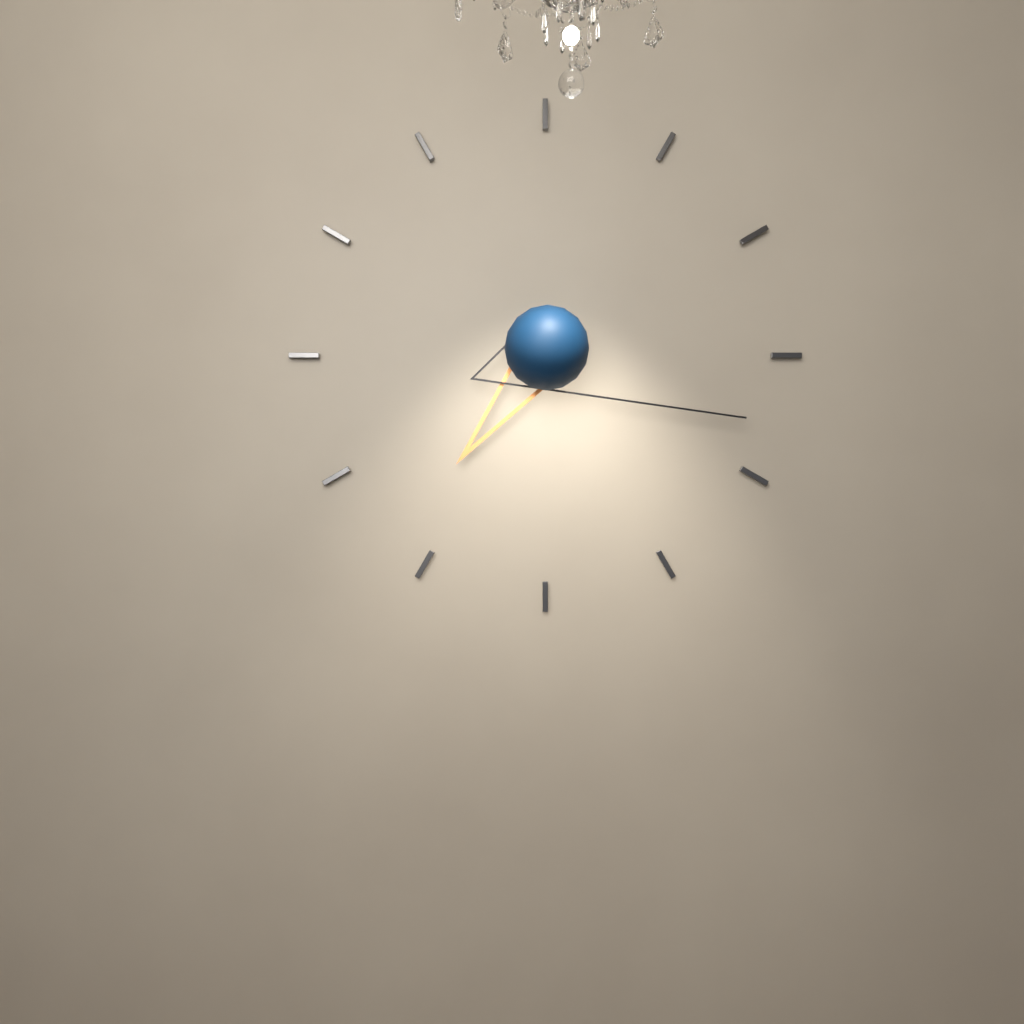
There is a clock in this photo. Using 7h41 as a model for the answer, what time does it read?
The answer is 7h18
